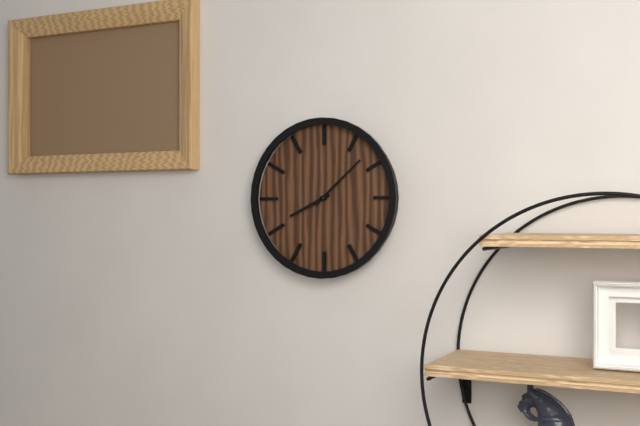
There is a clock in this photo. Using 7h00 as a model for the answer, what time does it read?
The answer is 8h08
